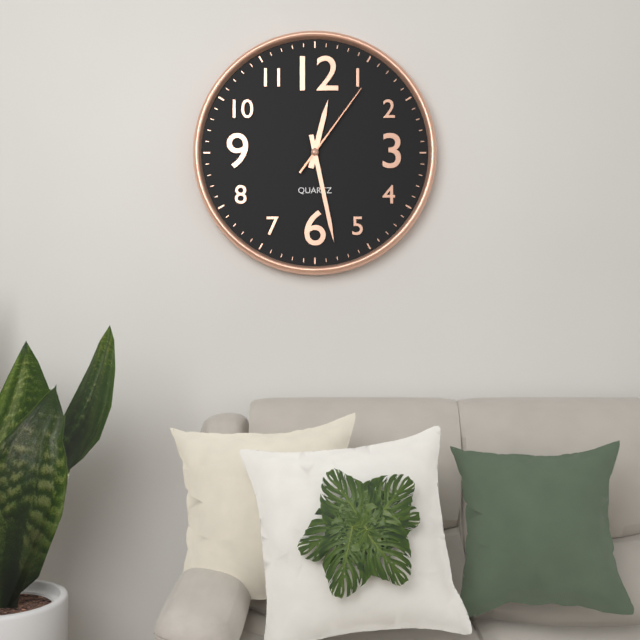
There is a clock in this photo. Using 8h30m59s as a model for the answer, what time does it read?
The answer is 12h28m06s
